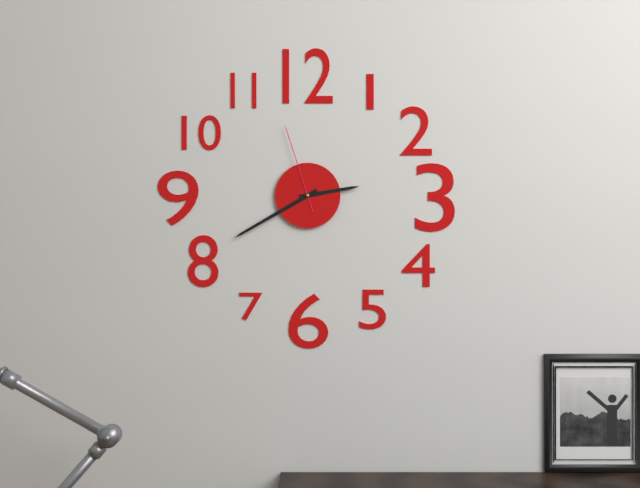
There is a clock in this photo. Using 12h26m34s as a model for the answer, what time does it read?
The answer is 2h40m57s
